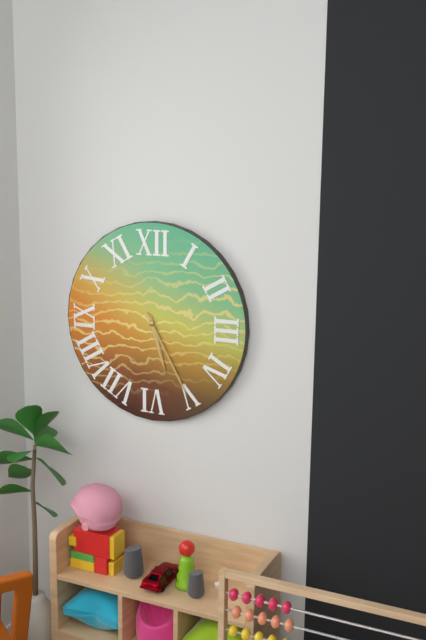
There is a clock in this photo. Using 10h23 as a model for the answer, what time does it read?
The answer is 5h25
